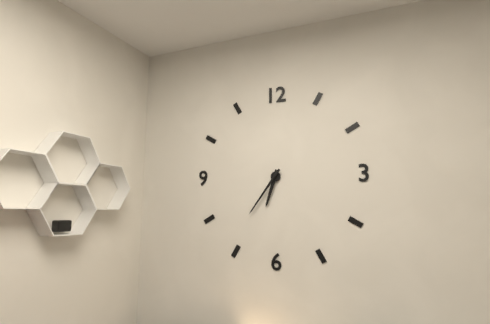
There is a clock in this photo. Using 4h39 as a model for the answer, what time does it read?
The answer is 6h36
